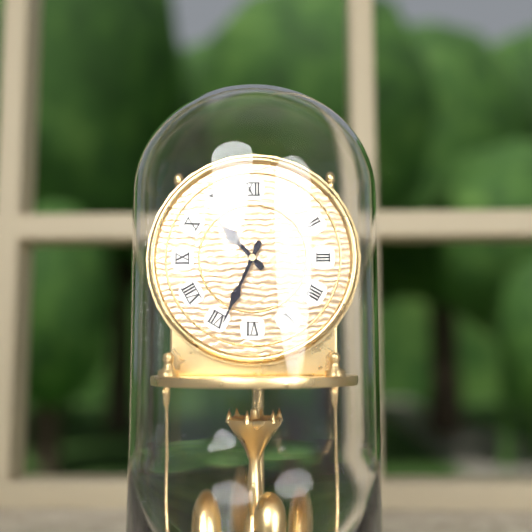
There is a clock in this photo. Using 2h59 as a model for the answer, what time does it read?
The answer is 10h34
